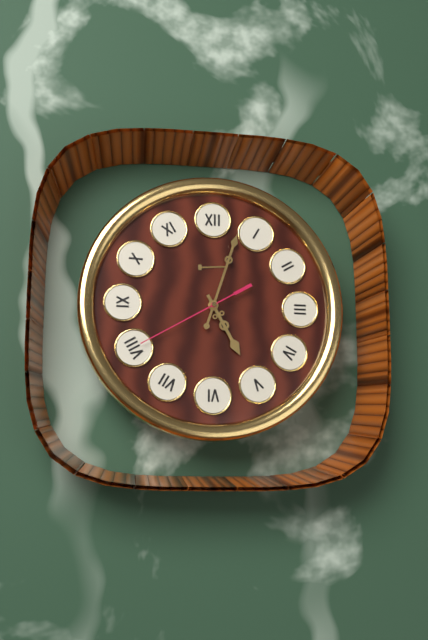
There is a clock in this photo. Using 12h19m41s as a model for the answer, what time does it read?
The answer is 5h03m40s
